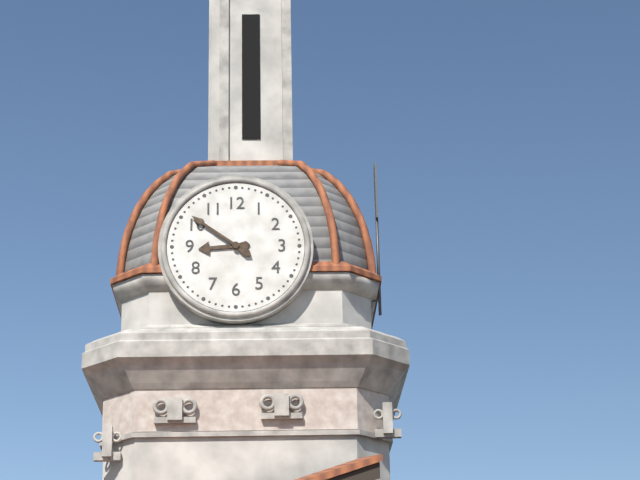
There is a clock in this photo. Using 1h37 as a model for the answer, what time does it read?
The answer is 8h51
